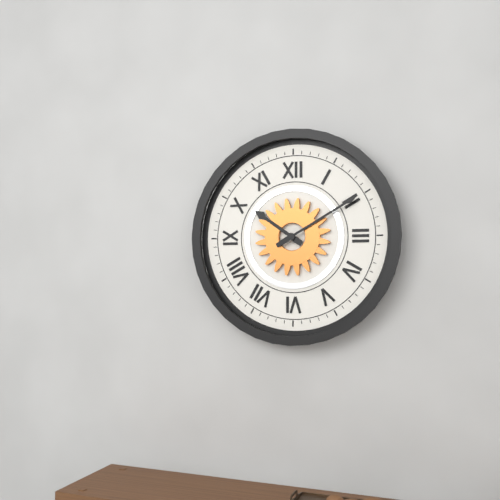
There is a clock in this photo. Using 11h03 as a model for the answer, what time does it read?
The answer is 10h10
